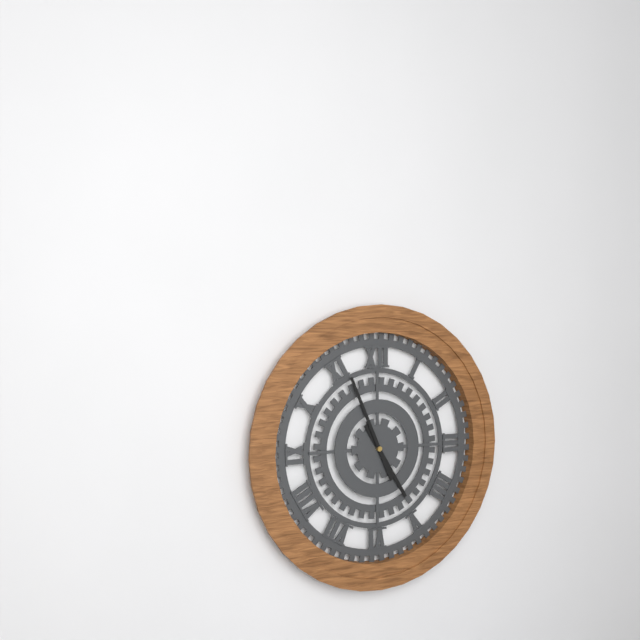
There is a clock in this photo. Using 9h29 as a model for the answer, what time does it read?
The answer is 4h56
